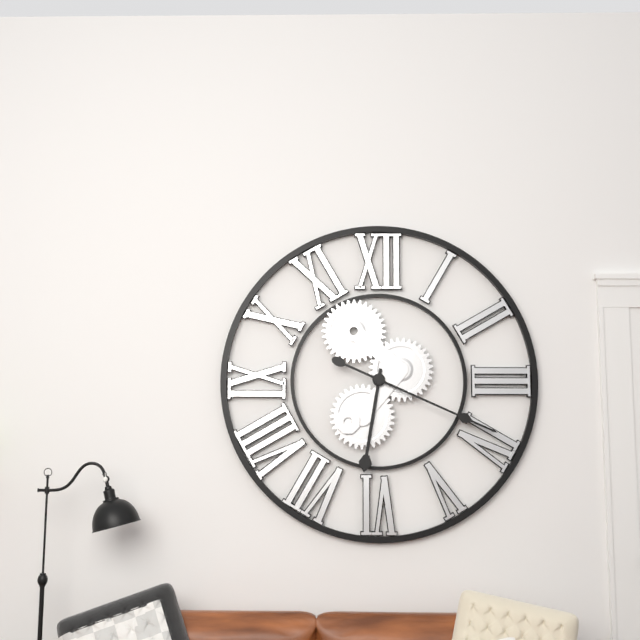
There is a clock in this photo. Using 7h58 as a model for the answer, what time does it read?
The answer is 6h19
